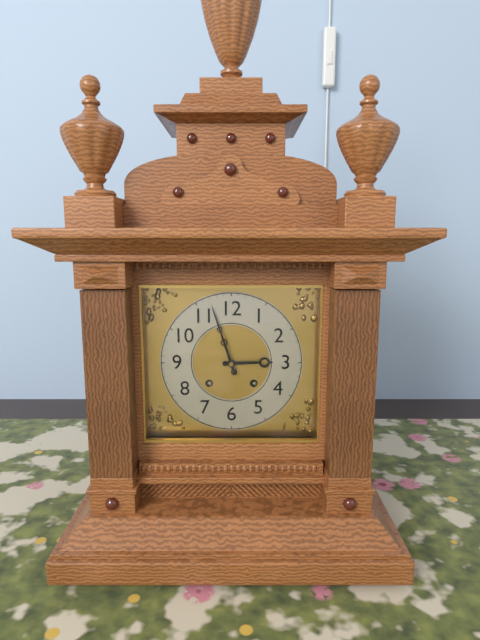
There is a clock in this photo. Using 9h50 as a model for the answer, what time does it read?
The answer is 2h57
